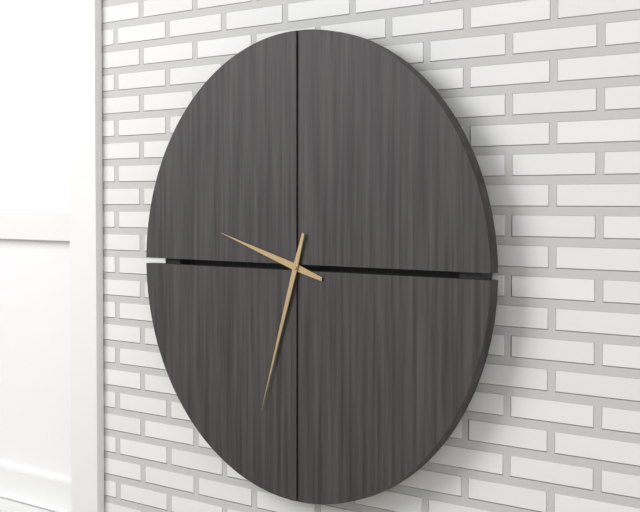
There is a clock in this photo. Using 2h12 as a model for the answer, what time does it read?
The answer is 9h33
